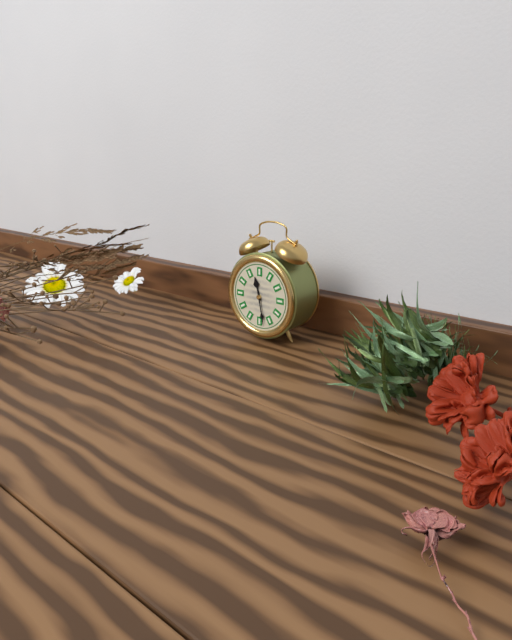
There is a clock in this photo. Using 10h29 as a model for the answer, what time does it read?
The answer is 11h28
